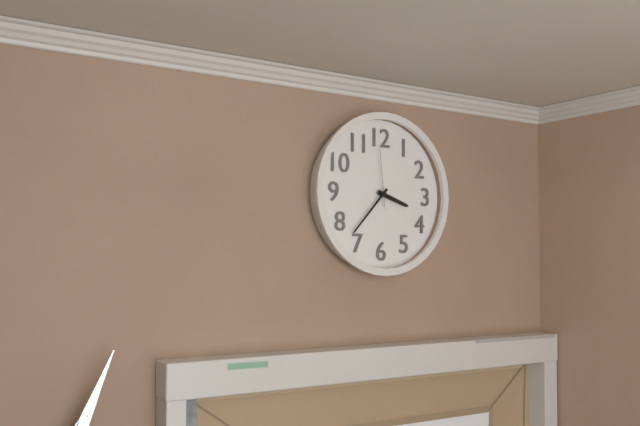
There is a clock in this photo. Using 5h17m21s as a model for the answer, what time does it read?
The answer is 3h37m59s
